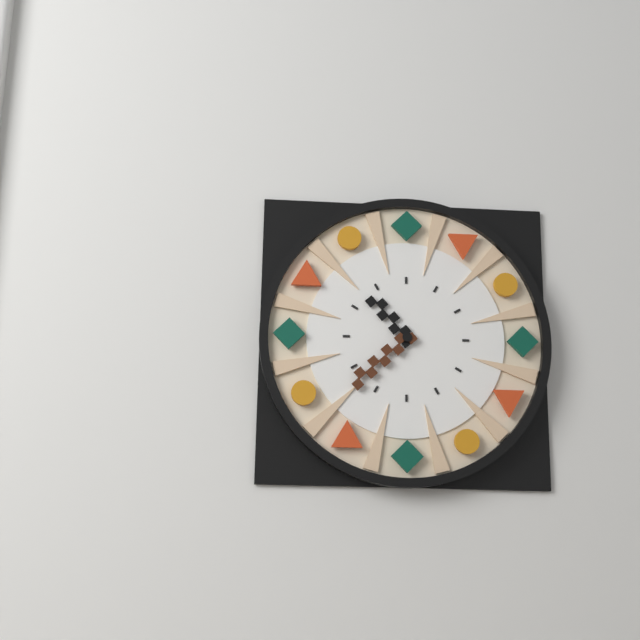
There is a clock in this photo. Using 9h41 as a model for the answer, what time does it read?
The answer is 10h38
